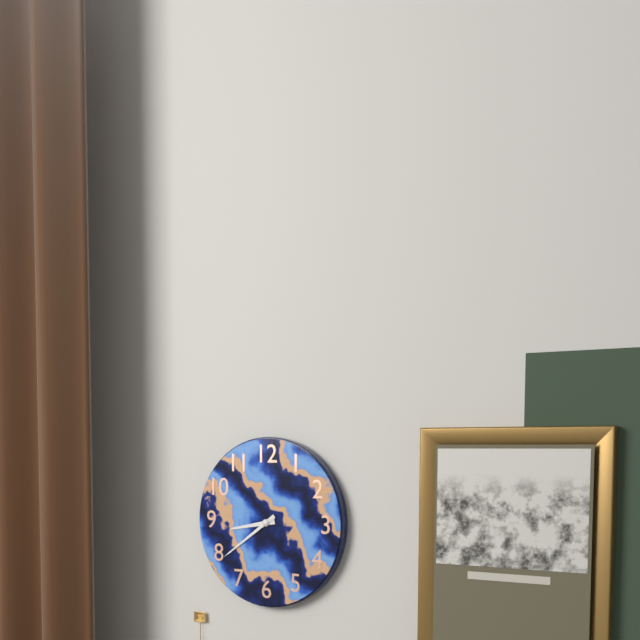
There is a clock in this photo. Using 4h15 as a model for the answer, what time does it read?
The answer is 8h39
